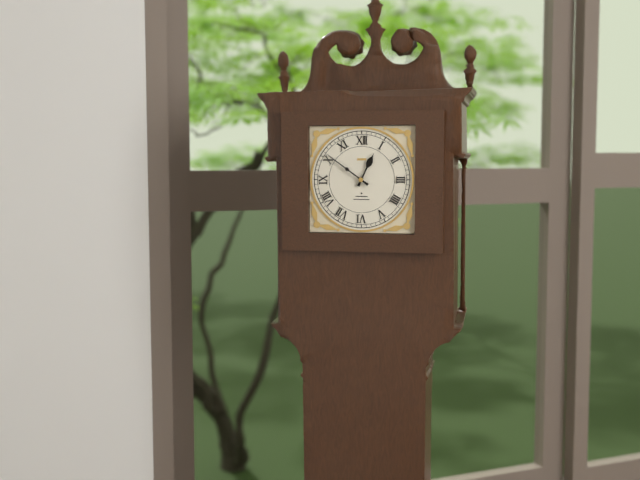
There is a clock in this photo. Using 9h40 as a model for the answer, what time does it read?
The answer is 12h51
